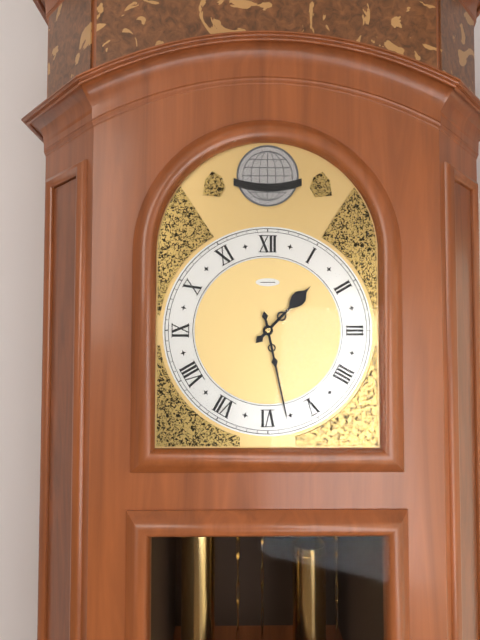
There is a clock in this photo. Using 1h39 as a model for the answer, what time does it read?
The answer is 1h28
